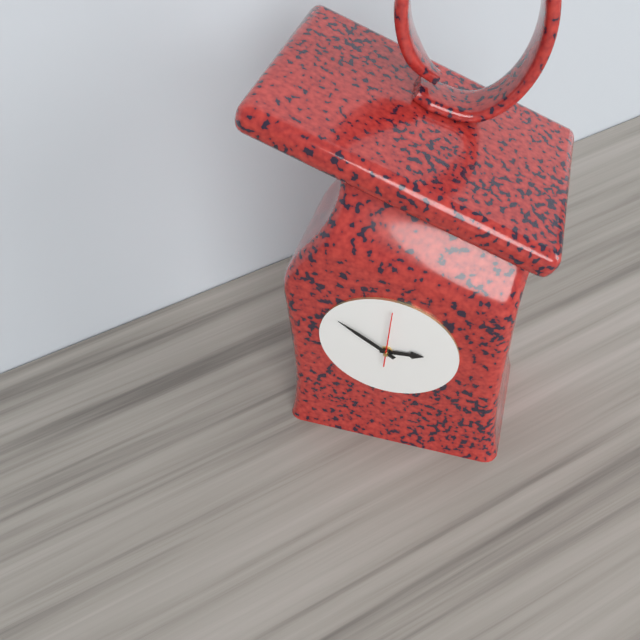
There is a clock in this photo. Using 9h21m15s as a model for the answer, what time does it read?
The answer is 2h51m01s
